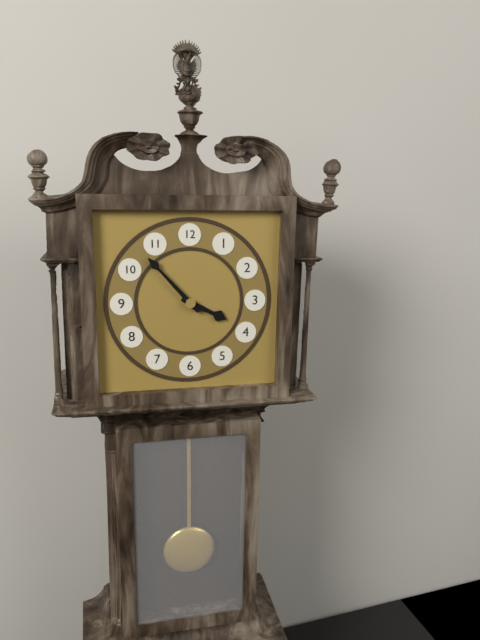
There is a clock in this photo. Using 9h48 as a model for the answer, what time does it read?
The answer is 3h53
